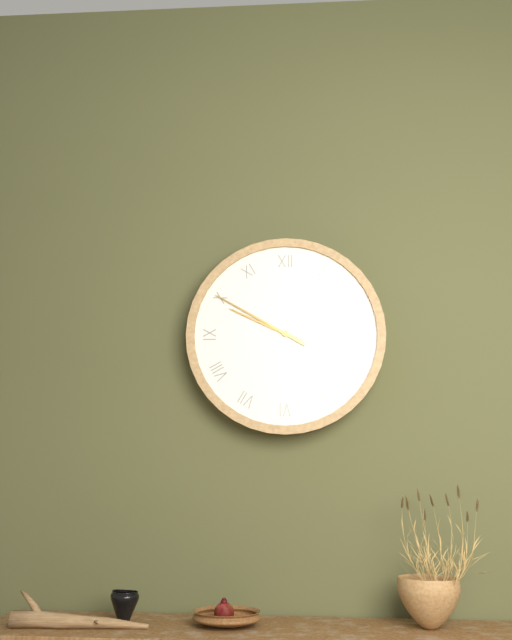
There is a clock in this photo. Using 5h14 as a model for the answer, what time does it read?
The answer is 9h50
